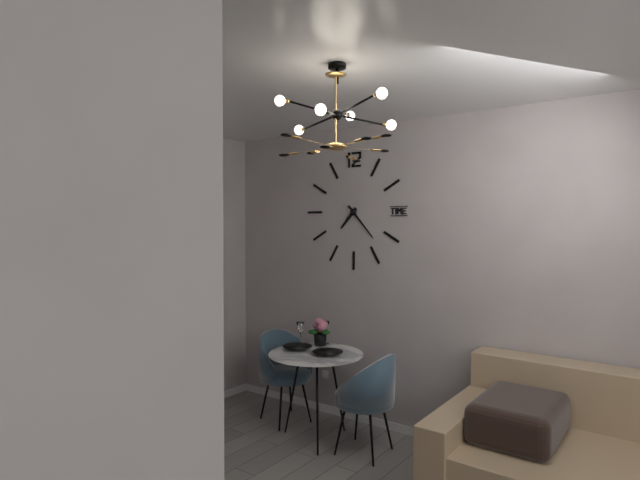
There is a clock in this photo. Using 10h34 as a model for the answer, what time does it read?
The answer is 7h23
